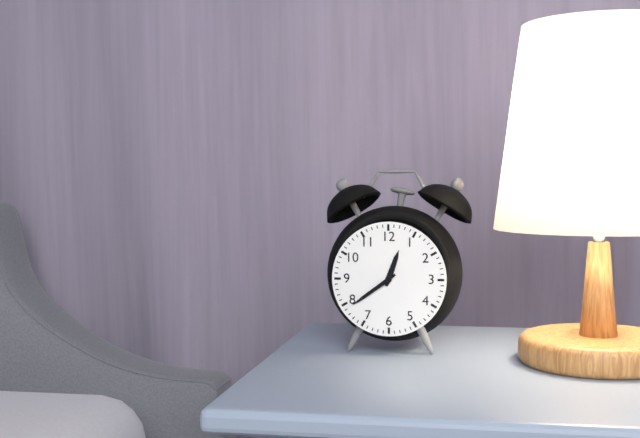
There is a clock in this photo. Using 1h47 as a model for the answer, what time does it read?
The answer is 12h39
